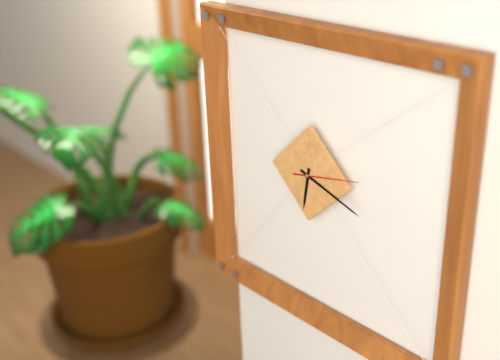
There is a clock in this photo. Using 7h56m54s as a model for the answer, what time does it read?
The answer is 6h18m13s
